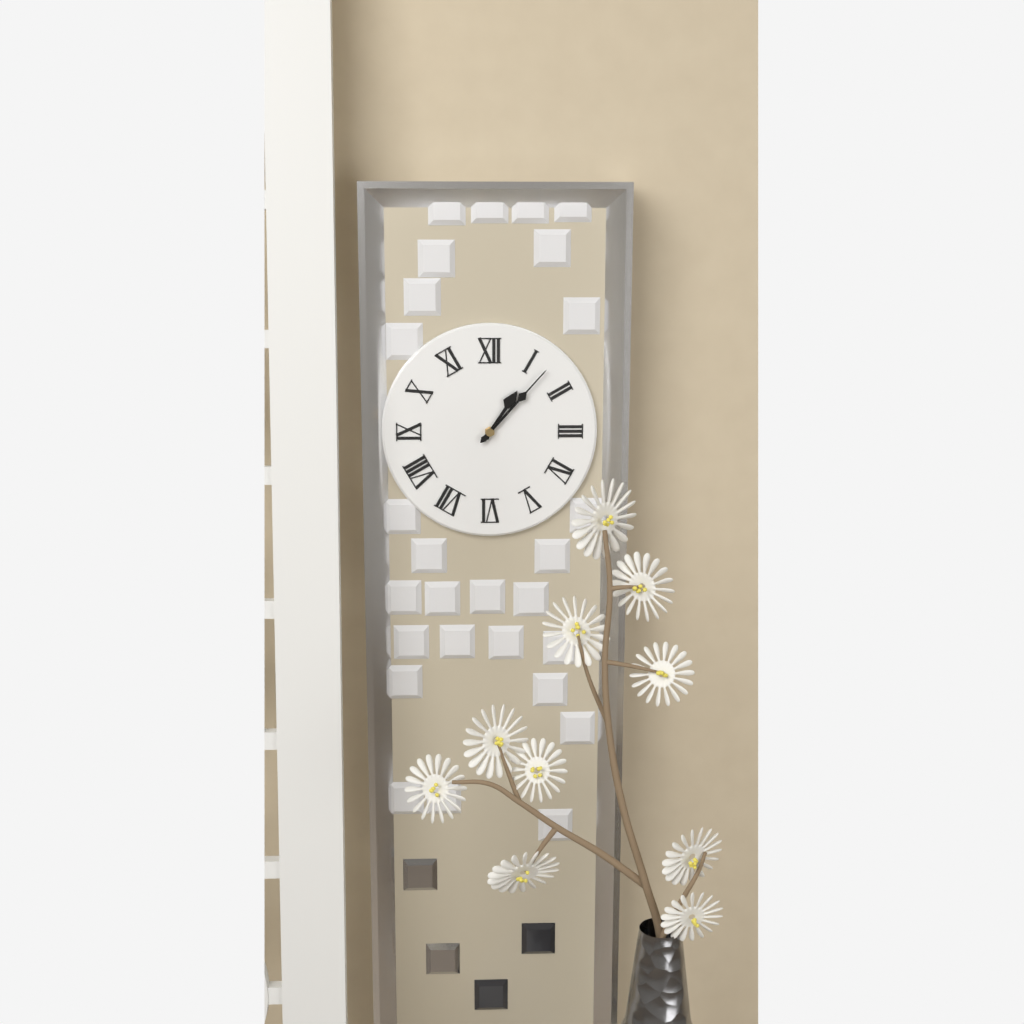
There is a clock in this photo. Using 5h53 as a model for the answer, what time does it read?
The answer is 1h07
